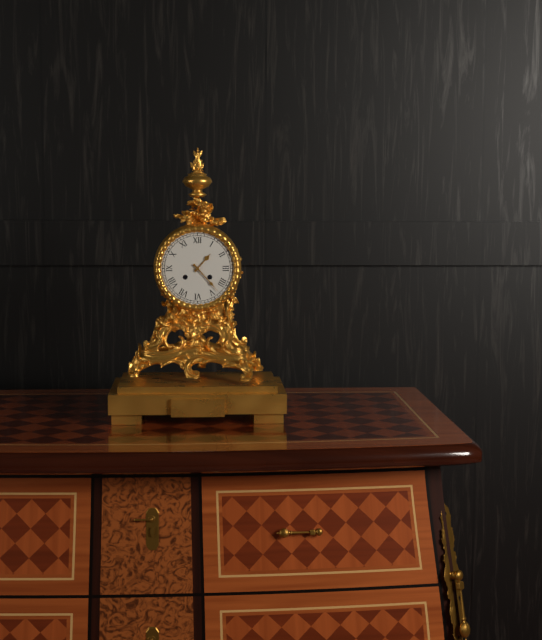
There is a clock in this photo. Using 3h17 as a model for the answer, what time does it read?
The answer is 1h23
